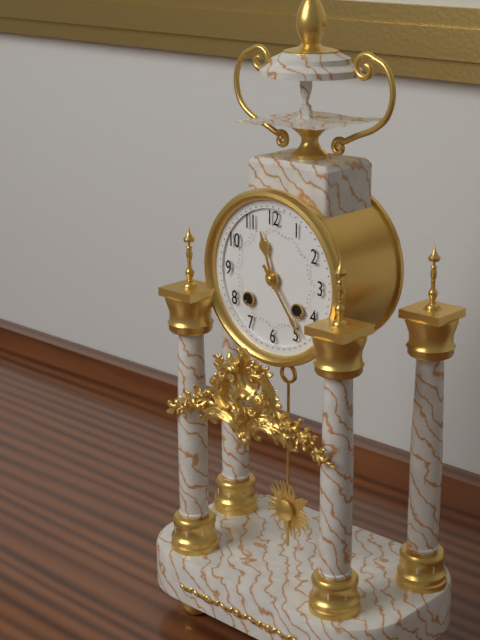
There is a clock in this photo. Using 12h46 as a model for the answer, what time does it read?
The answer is 11h24
